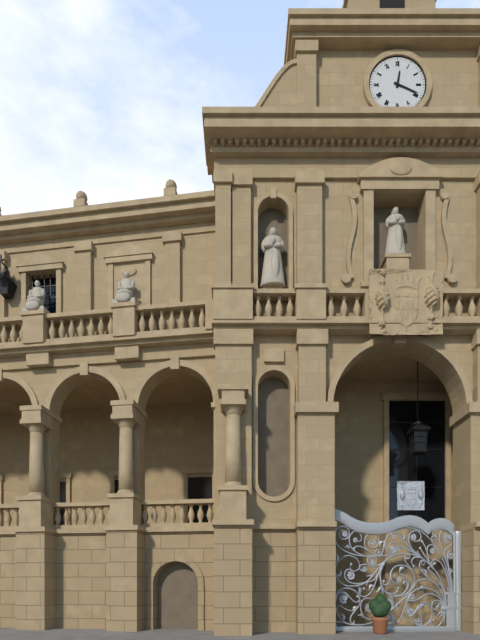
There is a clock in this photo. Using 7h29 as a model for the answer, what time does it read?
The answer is 12h19
